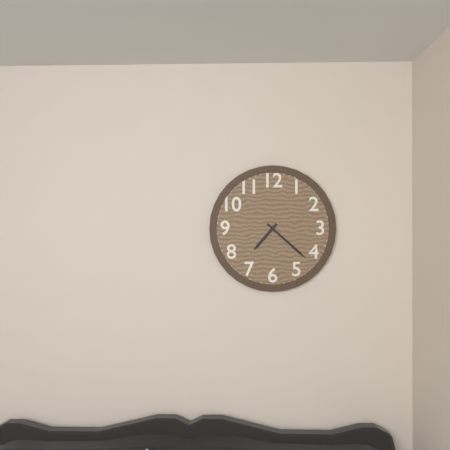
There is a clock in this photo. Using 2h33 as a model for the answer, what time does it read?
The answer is 7h22
